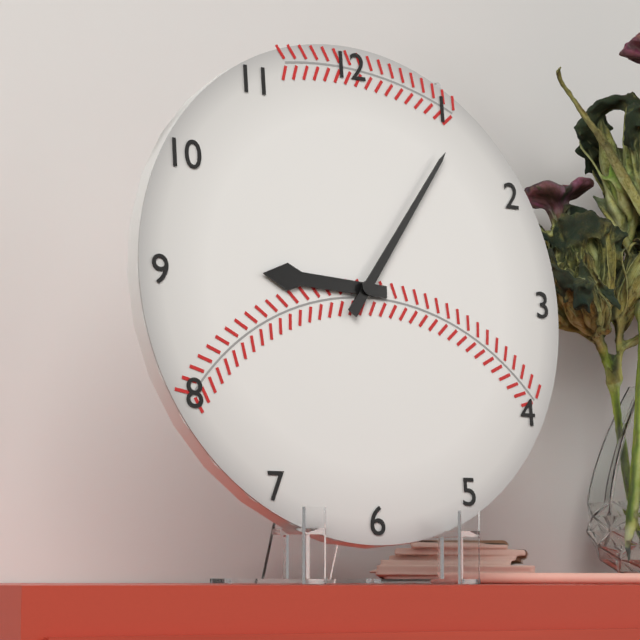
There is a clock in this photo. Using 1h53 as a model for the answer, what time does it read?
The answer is 9h06
